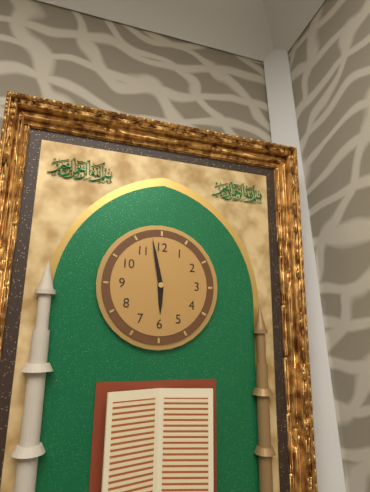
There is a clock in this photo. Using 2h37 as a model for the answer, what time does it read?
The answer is 5h58
